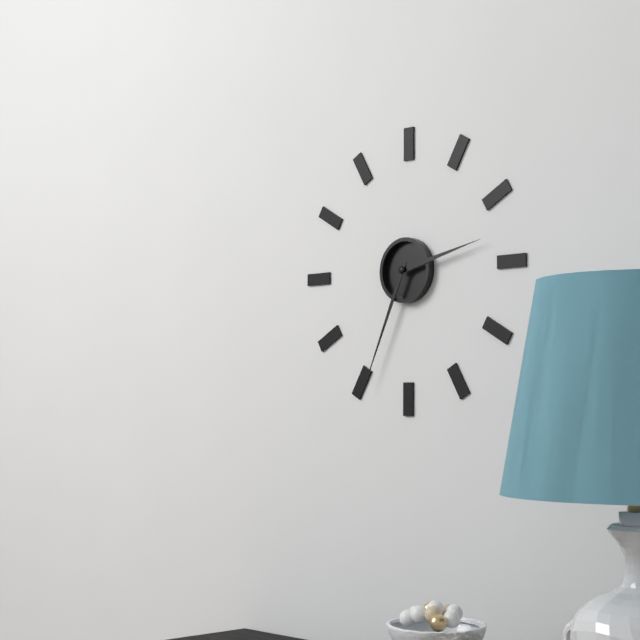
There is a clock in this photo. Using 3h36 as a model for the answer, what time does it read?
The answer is 2h34
